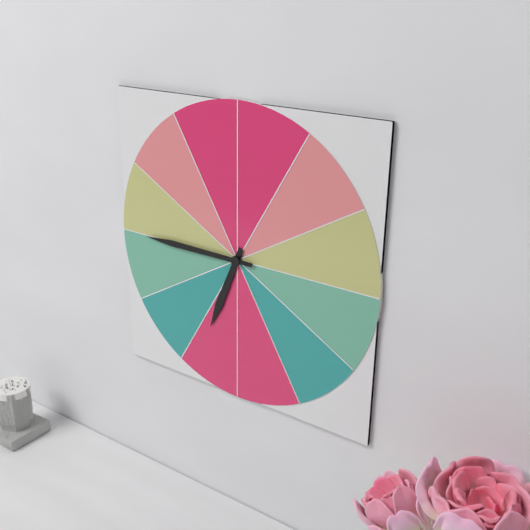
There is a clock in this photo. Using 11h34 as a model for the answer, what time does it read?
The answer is 6h45
